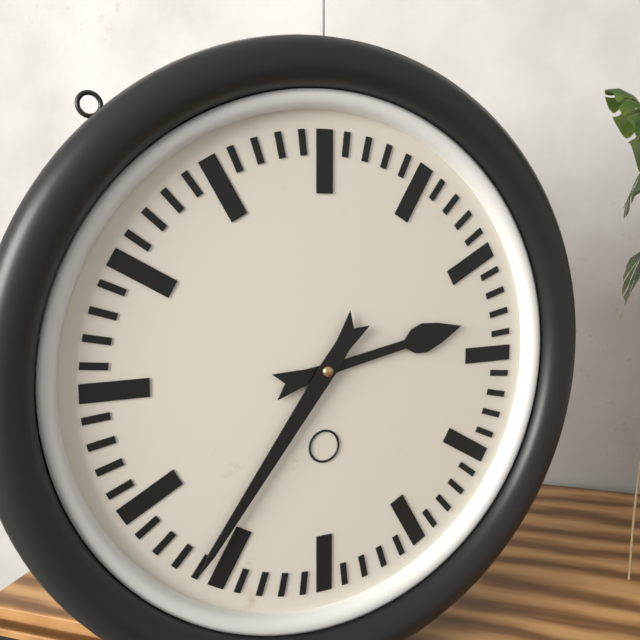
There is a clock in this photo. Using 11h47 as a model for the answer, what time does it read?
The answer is 2h36
